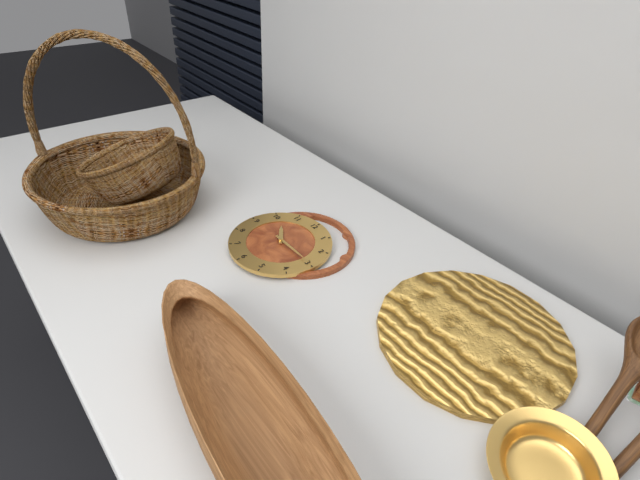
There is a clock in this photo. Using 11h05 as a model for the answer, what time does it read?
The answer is 10h15
